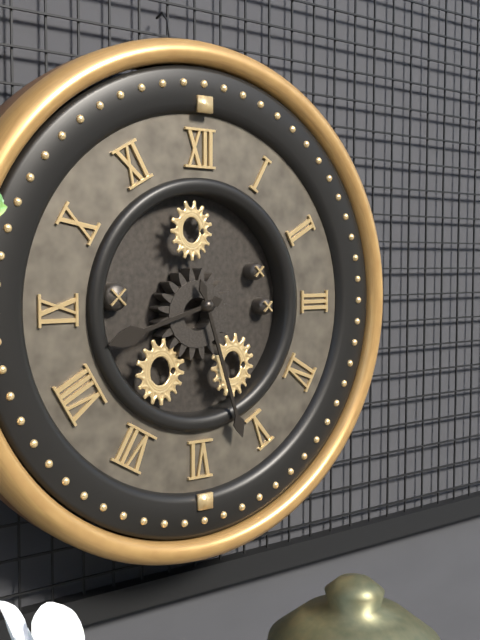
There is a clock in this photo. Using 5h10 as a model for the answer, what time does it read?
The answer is 8h27
